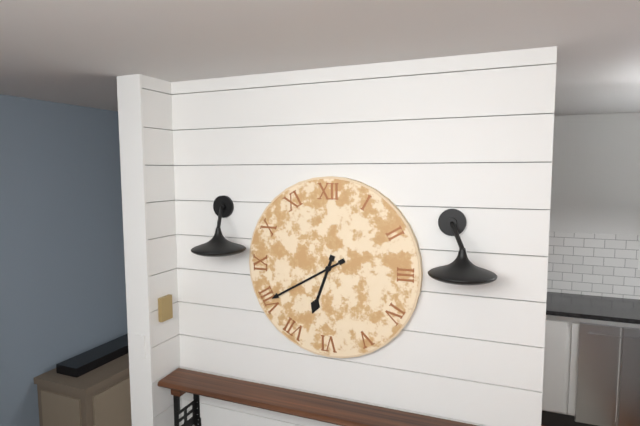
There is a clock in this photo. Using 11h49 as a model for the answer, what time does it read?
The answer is 6h40
